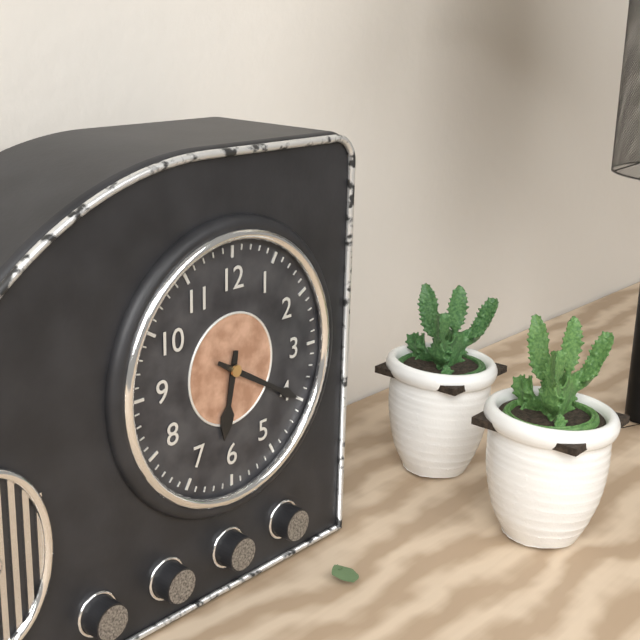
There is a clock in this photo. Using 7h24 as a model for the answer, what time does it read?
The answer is 6h20
